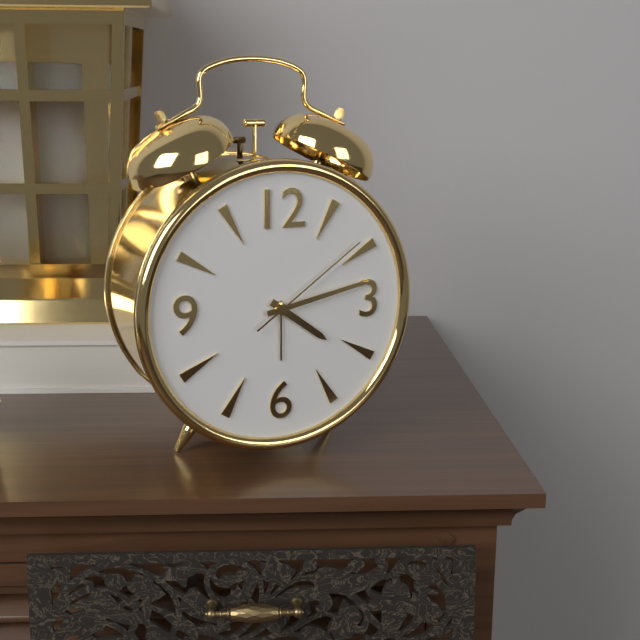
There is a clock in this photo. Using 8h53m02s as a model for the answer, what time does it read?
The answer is 4h13m09s
